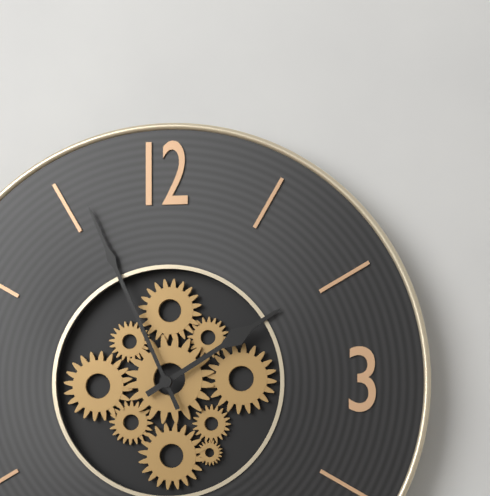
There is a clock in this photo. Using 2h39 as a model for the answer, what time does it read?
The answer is 1h56
